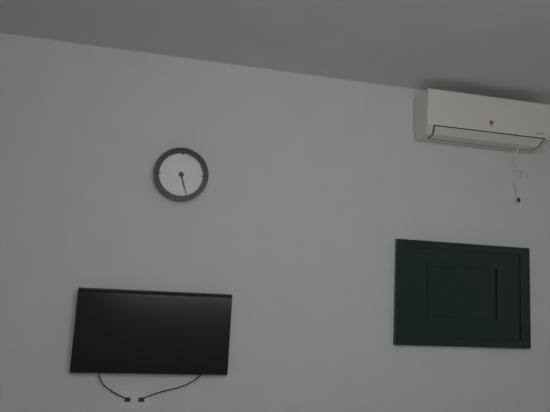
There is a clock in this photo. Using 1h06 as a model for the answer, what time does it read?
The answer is 5h27
